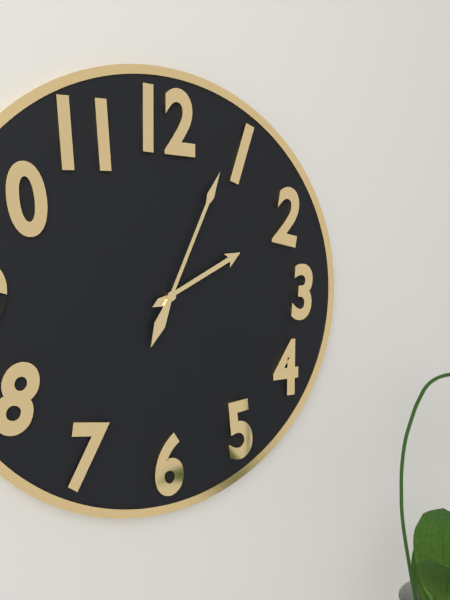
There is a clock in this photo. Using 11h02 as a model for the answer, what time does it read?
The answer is 2h04
